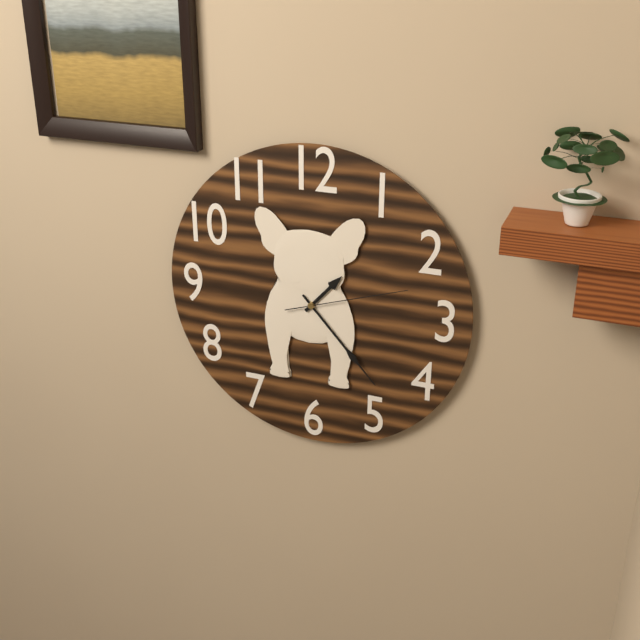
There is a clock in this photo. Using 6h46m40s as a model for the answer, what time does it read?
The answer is 1h23m12s
